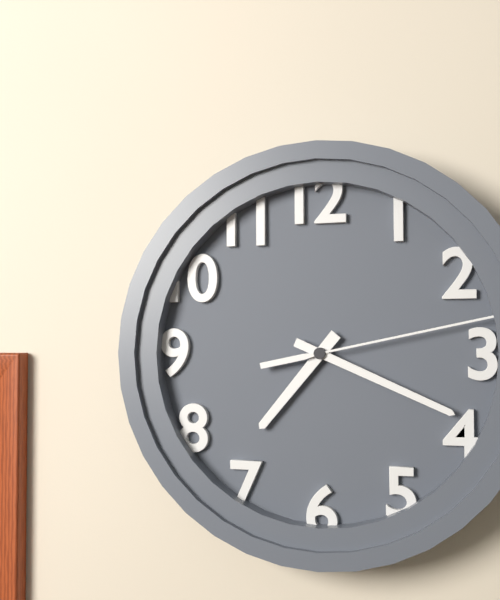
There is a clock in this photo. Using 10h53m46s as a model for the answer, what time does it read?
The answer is 7h19m13s
